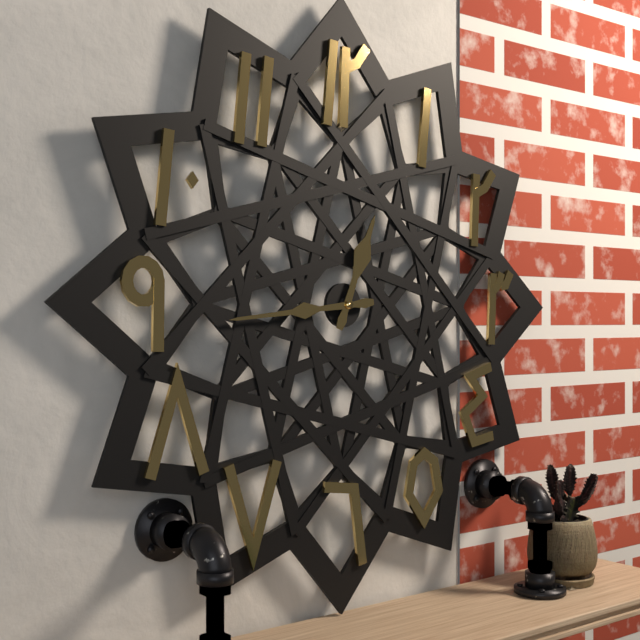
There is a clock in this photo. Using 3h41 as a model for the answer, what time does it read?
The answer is 12h44
